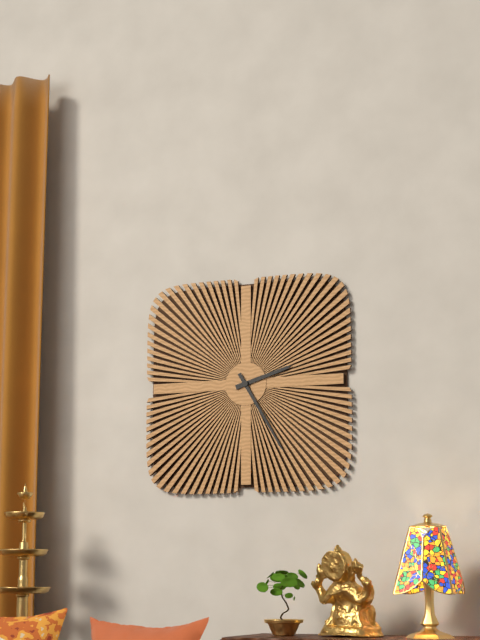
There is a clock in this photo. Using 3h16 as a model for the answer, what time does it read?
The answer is 2h25
